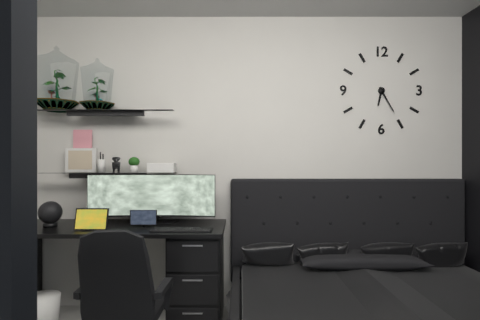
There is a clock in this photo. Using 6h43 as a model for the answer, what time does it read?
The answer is 6h25
